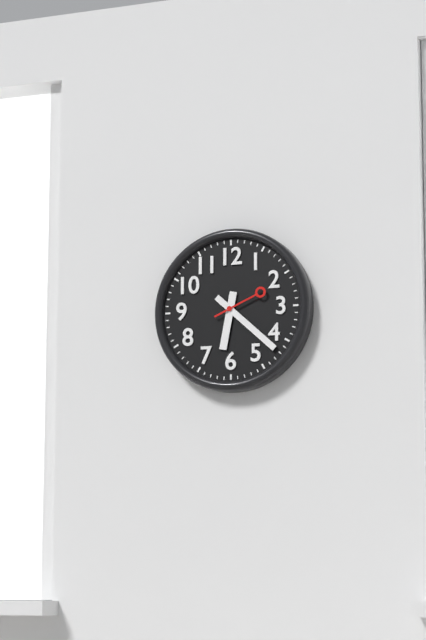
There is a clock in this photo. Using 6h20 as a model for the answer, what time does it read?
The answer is 6h22
